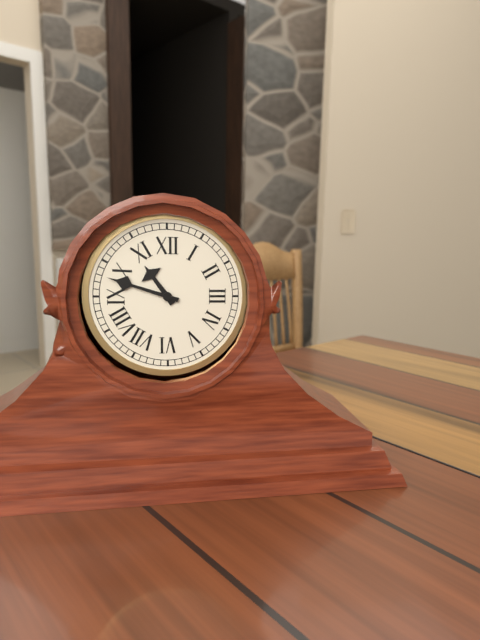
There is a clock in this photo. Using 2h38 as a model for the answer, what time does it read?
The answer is 10h48
